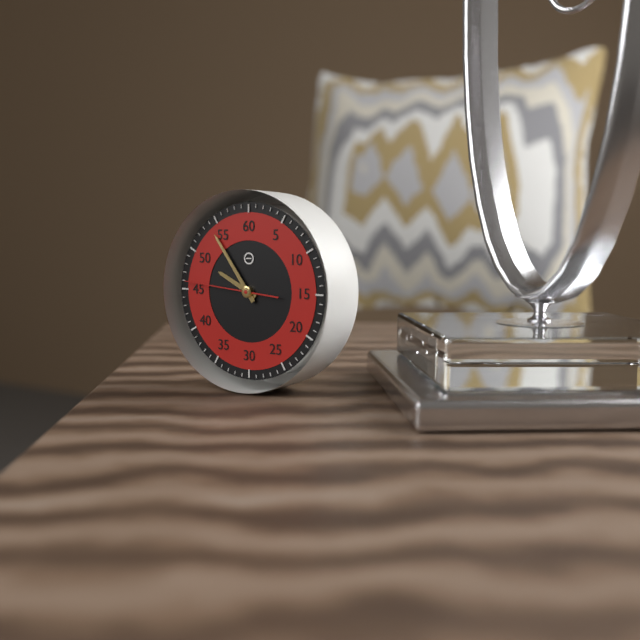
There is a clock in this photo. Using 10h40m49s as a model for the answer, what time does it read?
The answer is 9h54m46s
